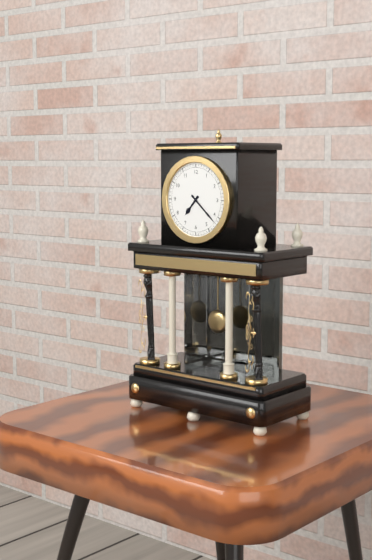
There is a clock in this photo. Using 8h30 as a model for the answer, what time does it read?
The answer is 7h22
